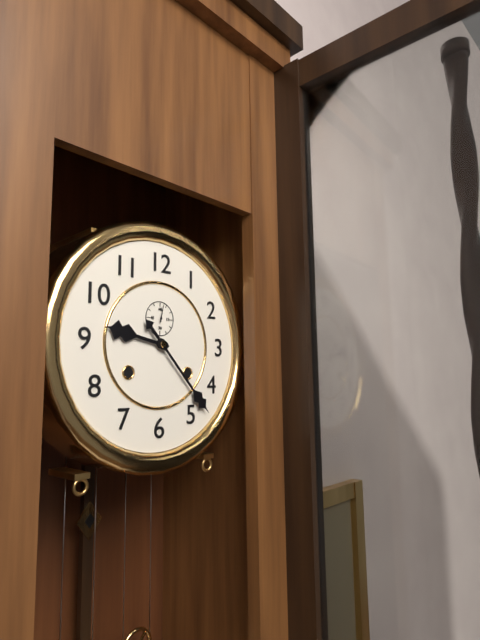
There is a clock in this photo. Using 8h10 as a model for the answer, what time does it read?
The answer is 9h23
